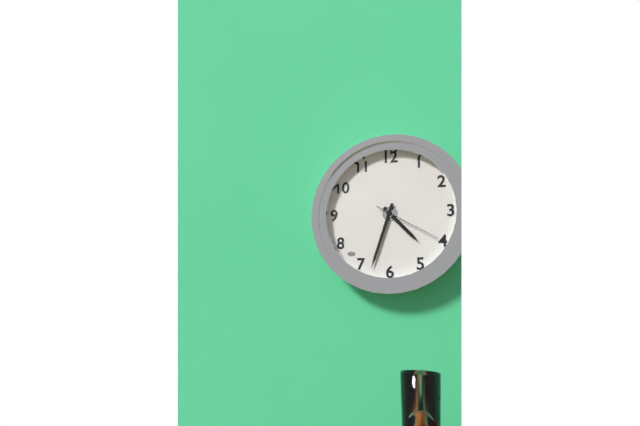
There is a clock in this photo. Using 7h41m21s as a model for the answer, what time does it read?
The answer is 4h33m20s
